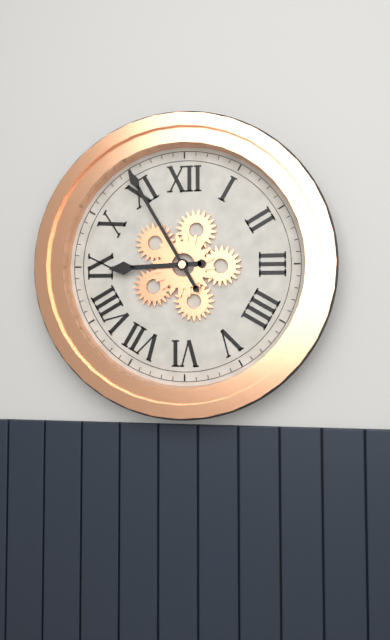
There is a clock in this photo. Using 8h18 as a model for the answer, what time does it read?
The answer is 8h55
